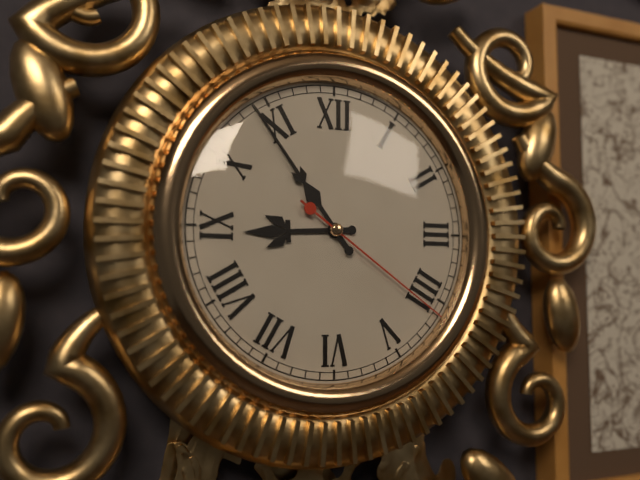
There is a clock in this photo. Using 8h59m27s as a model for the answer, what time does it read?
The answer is 8h54m21s
